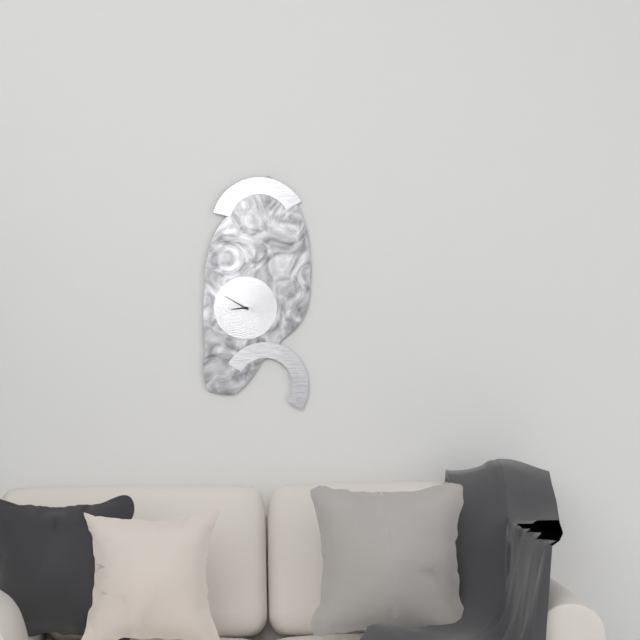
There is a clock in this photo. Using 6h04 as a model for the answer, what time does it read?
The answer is 8h50
